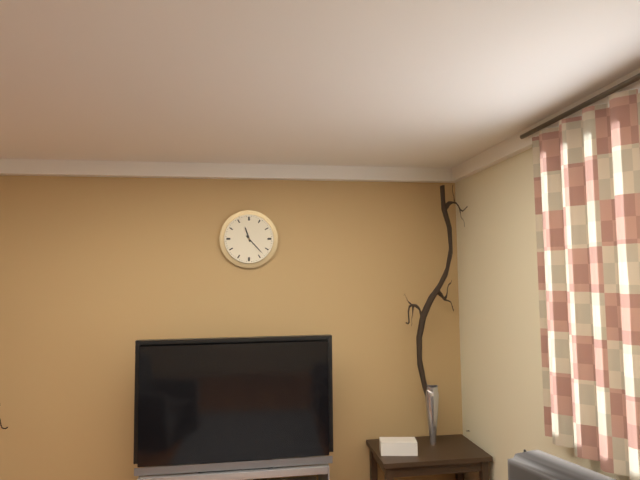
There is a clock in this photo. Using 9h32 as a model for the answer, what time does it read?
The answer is 11h23
